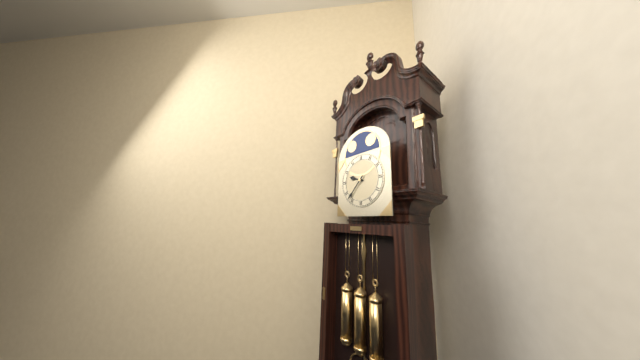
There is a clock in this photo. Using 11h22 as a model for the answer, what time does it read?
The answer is 9h37
